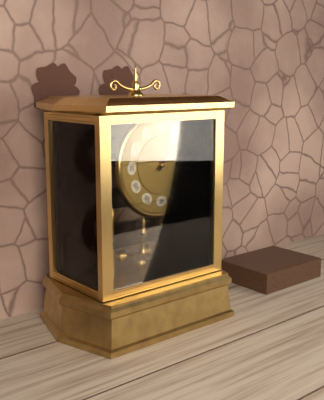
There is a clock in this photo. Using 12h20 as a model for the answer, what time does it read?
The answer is 1h08
